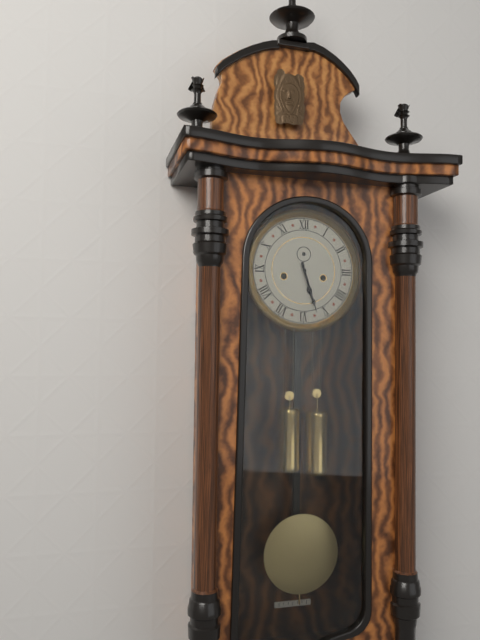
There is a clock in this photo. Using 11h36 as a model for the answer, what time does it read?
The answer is 5h27
